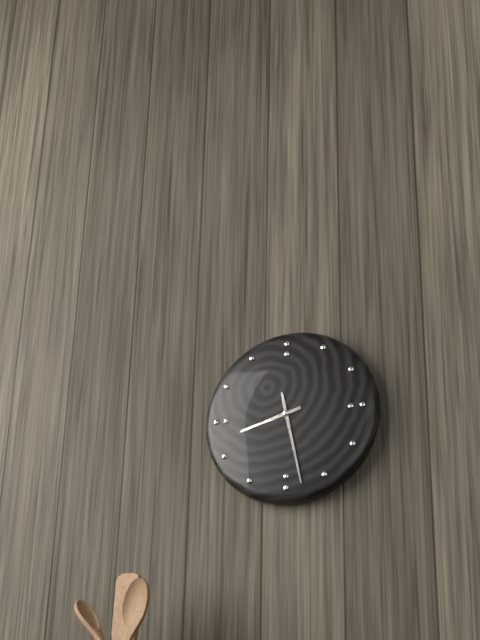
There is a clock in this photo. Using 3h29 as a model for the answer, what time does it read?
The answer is 8h28
